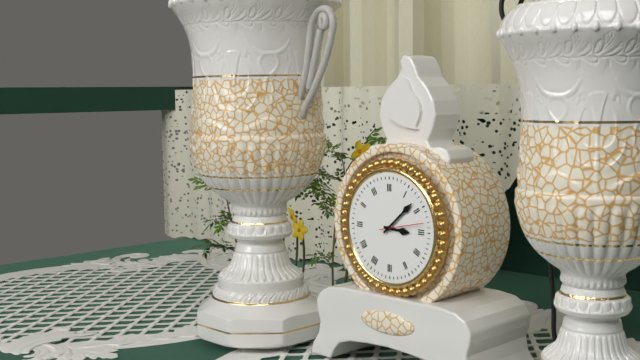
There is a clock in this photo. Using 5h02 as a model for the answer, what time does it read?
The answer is 3h08
